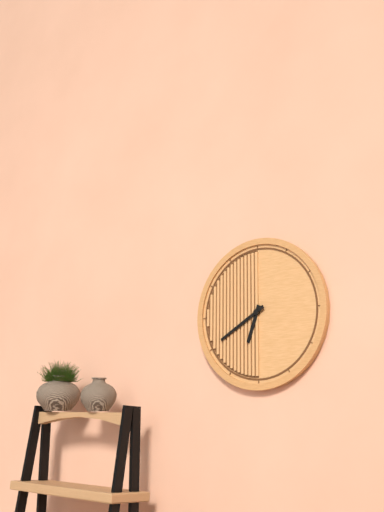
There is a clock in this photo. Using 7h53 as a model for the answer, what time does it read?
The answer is 6h40
